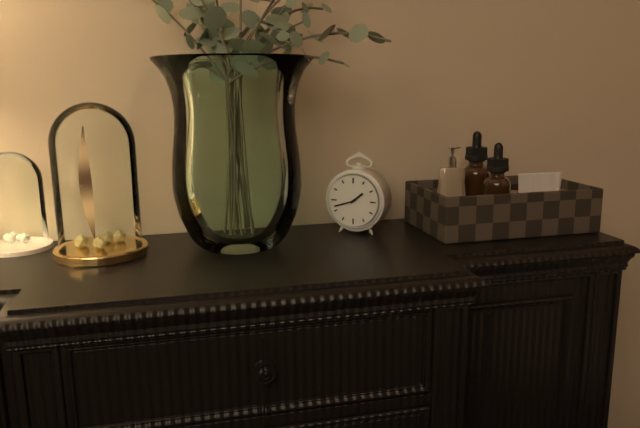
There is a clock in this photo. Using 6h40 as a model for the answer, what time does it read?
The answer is 1h42
